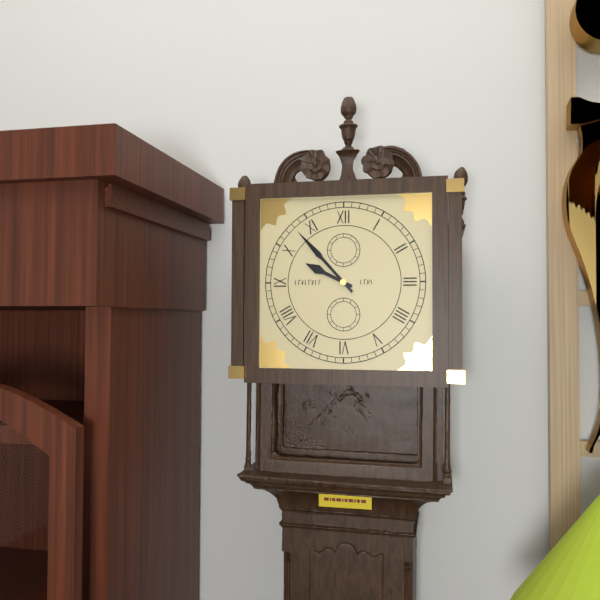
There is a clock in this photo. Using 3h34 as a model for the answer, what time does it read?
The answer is 9h53
